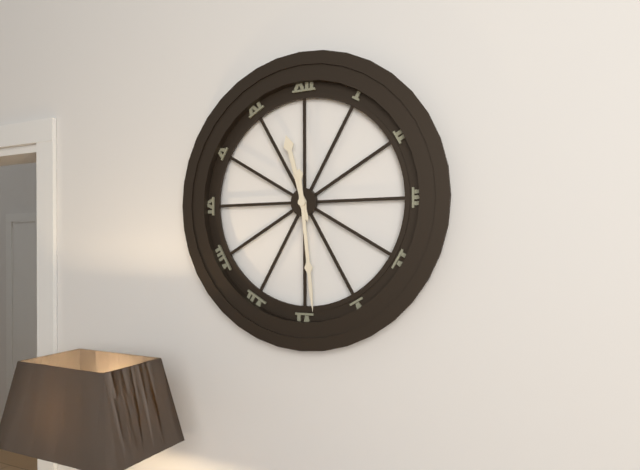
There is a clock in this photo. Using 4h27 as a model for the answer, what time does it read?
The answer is 11h29
